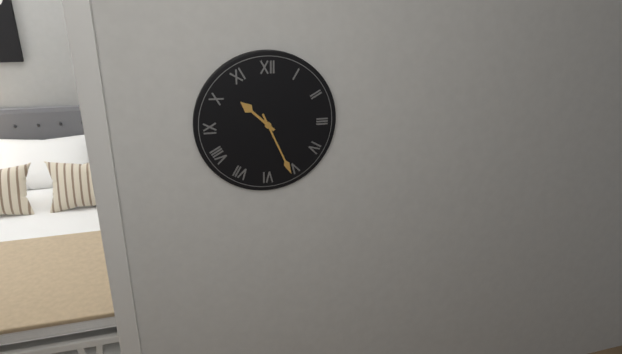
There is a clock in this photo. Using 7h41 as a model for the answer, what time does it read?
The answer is 10h26
